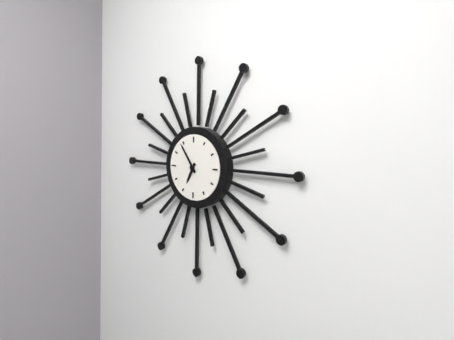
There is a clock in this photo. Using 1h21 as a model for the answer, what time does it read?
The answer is 6h54
